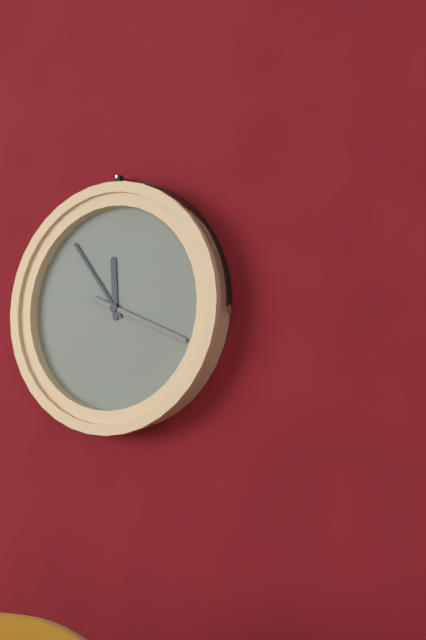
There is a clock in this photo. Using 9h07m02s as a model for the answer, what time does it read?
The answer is 11h54m19s
